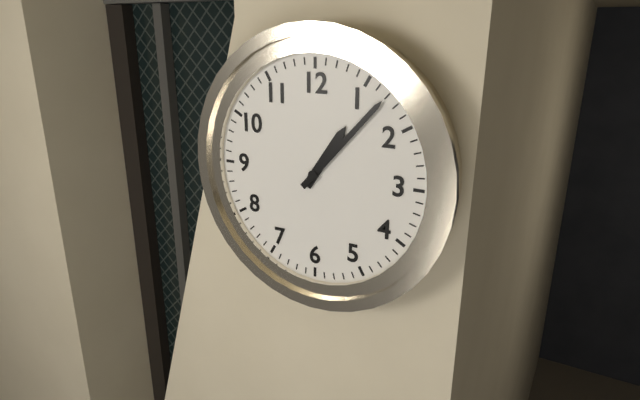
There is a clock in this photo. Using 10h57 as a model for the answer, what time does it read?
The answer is 1h07
